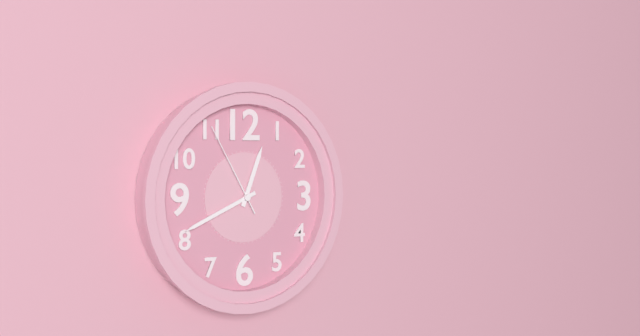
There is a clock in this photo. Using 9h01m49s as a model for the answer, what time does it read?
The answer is 12h41m55s
